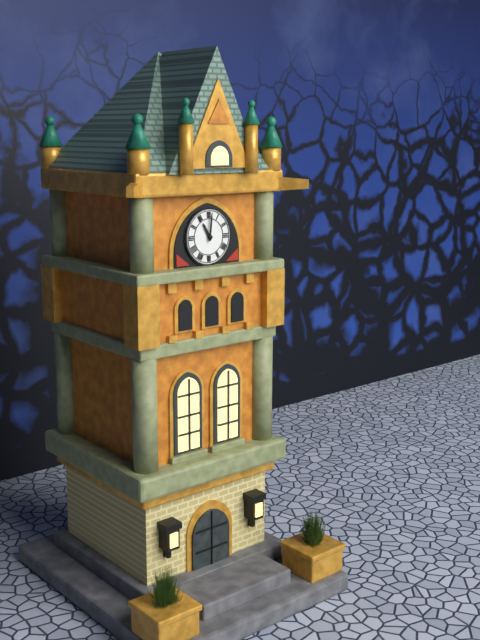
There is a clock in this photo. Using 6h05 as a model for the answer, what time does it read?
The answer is 11h01
